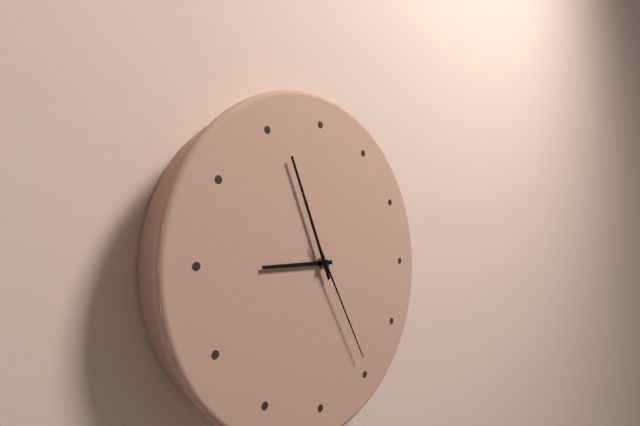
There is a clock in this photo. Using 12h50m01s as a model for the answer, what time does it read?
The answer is 8h56m25s
